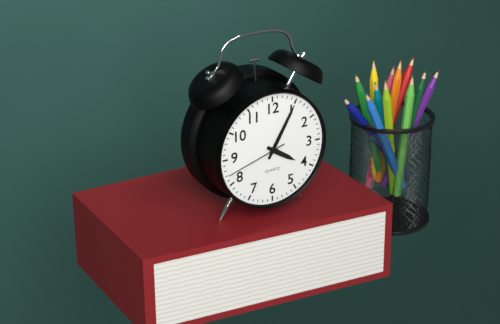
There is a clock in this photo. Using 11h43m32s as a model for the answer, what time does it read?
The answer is 4h05m42s
